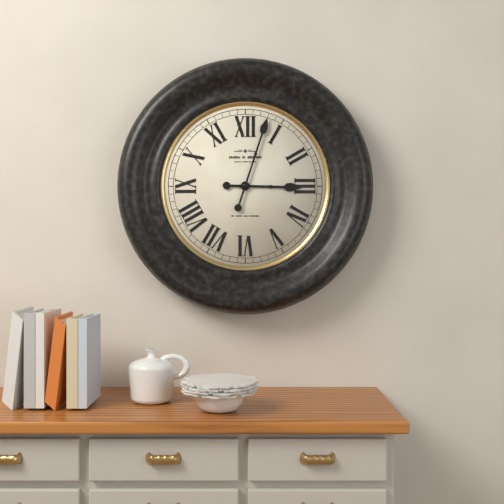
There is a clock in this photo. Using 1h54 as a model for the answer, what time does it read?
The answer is 3h03
